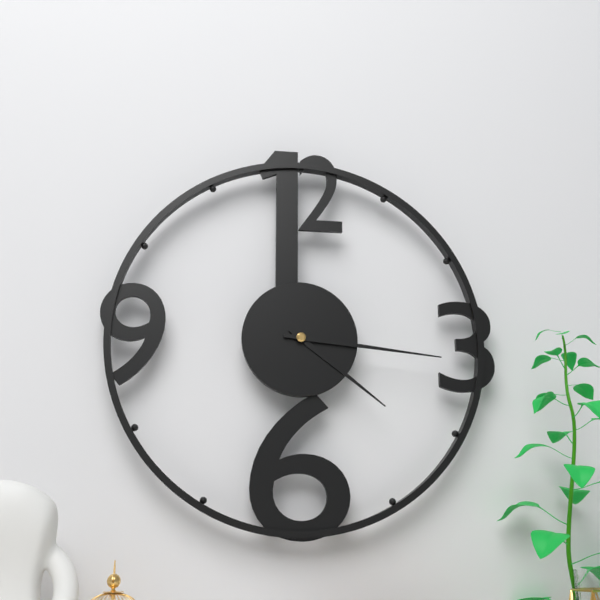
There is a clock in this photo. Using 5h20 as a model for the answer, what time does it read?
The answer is 4h16
